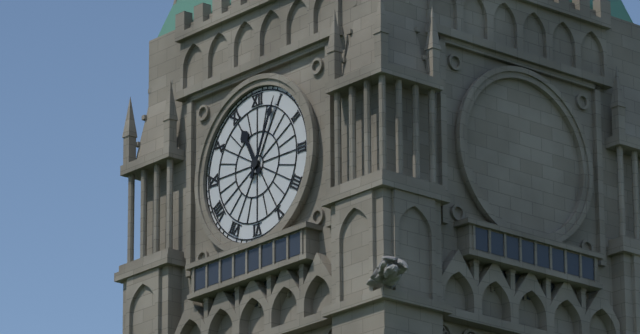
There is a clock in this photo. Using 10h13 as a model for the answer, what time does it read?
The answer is 11h04
